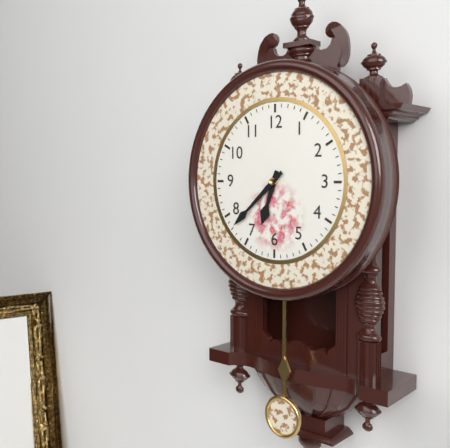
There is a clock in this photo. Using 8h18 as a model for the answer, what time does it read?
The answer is 6h38
